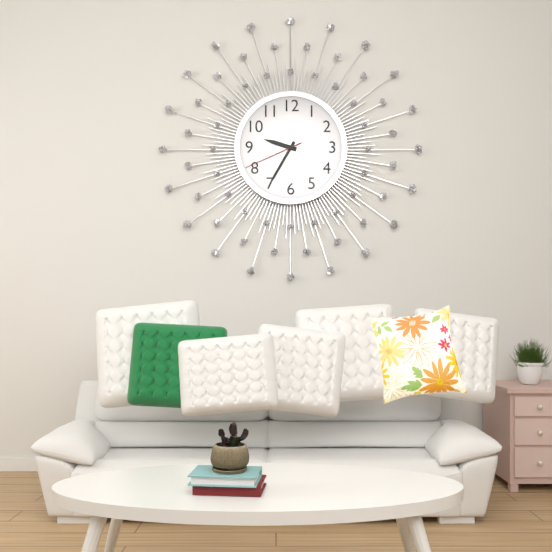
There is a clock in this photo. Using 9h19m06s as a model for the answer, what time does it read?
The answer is 9h35m41s
